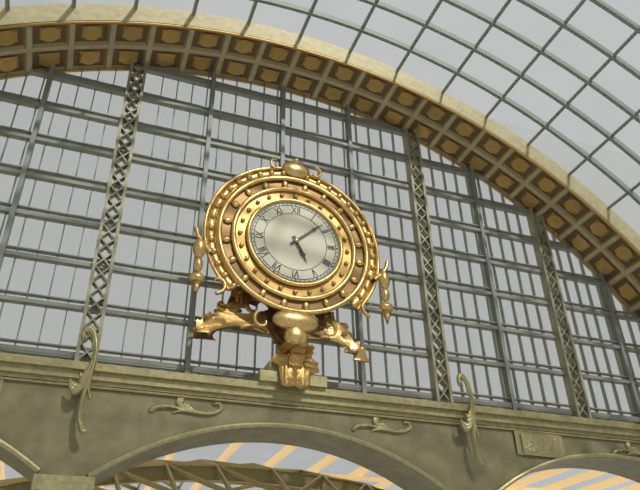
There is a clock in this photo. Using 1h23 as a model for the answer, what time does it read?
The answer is 5h08
